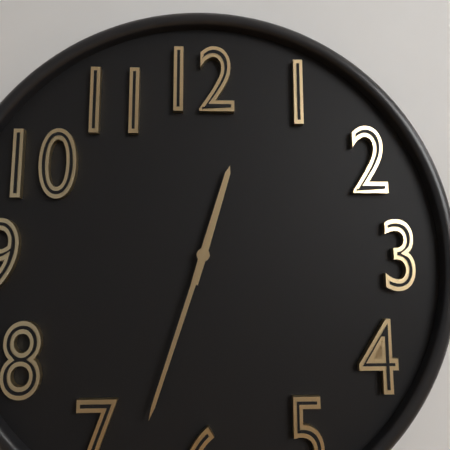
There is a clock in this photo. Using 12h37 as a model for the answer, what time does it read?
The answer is 12h33
